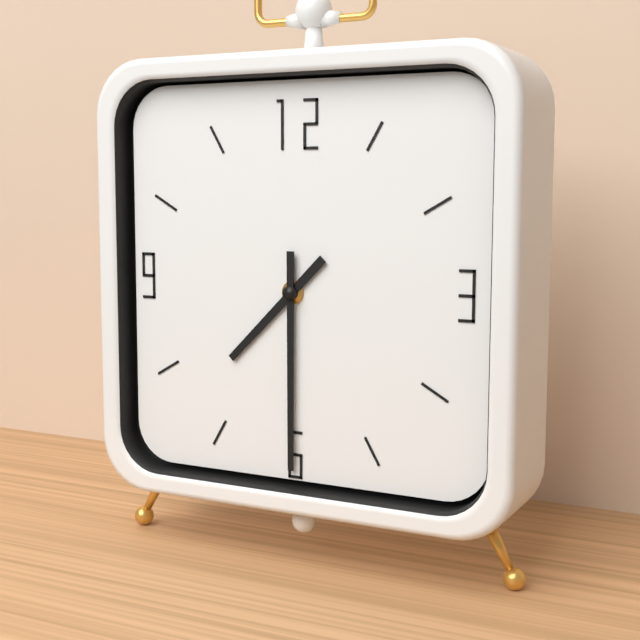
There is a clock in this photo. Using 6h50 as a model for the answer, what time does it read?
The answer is 7h30
